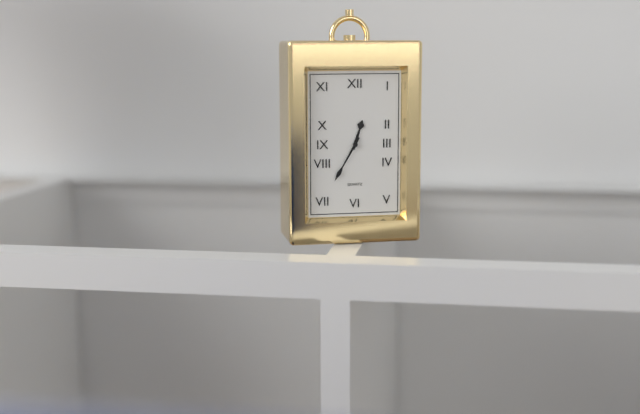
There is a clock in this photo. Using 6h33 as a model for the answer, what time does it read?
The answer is 12h35
